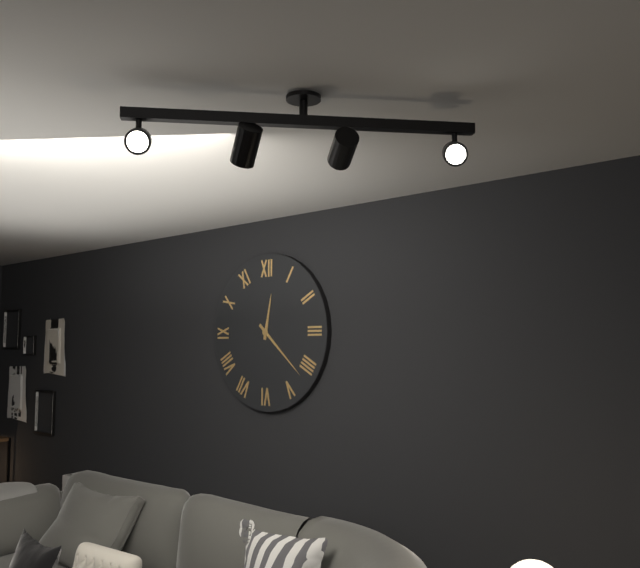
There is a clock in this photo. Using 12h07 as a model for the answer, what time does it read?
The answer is 12h22
